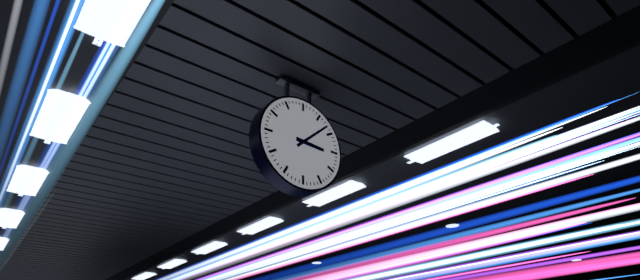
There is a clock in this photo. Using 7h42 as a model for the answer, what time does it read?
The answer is 3h08
